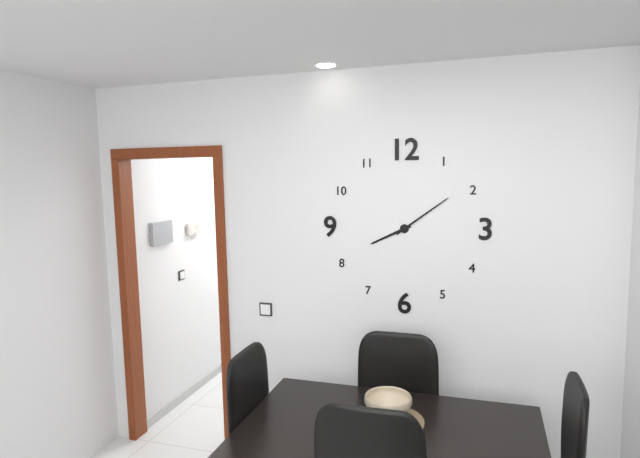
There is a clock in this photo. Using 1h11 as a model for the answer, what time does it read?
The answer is 8h09
